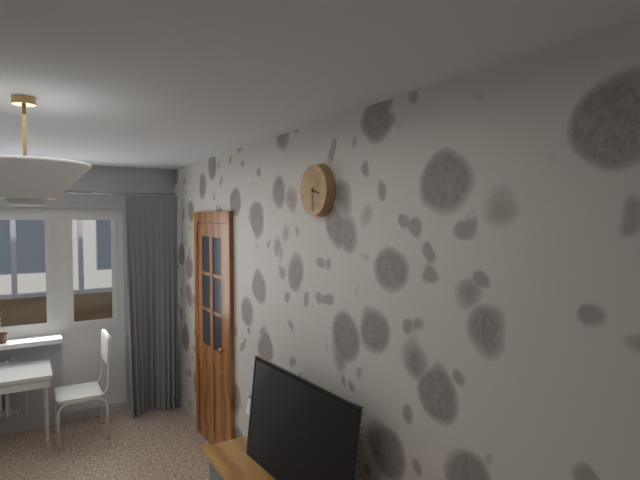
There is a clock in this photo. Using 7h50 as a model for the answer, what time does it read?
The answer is 3h30
